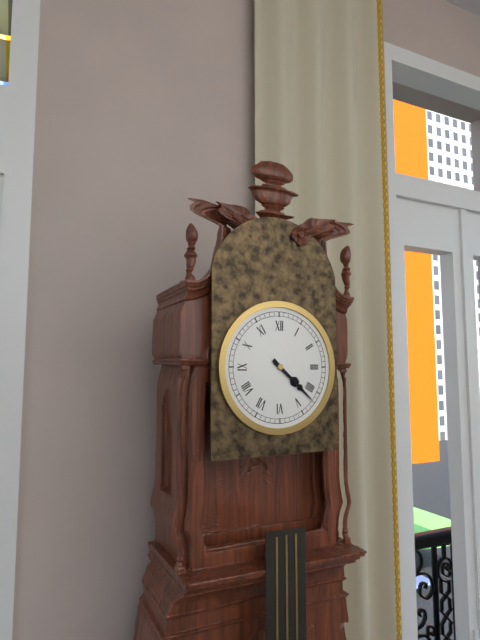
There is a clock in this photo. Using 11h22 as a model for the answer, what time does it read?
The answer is 4h22
